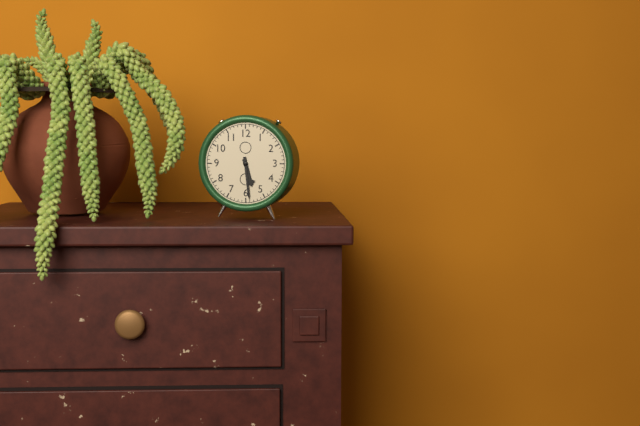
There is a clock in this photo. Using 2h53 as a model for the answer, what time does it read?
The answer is 5h29
